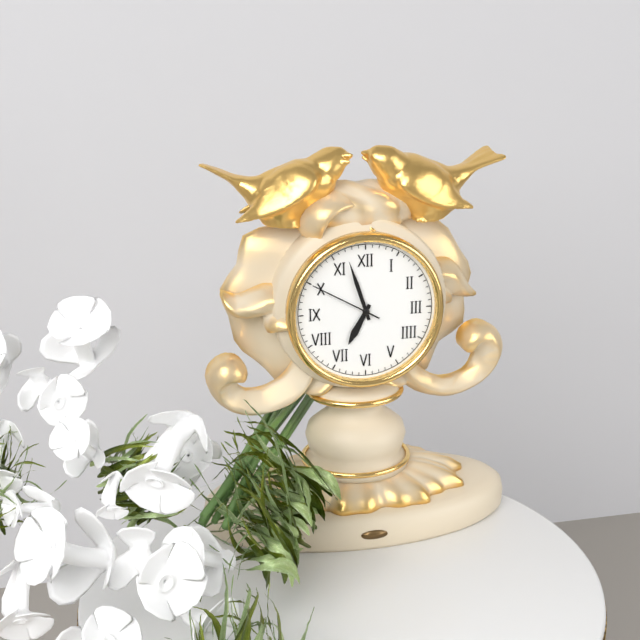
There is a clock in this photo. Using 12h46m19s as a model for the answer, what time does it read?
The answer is 6h57m50s
